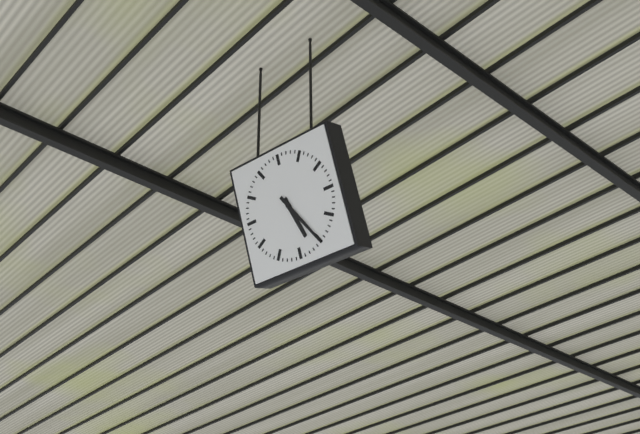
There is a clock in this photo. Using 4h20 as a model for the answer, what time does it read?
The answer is 5h25
